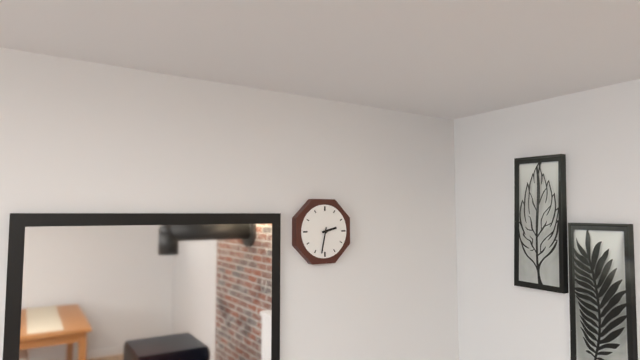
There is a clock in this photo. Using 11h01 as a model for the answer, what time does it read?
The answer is 2h32
